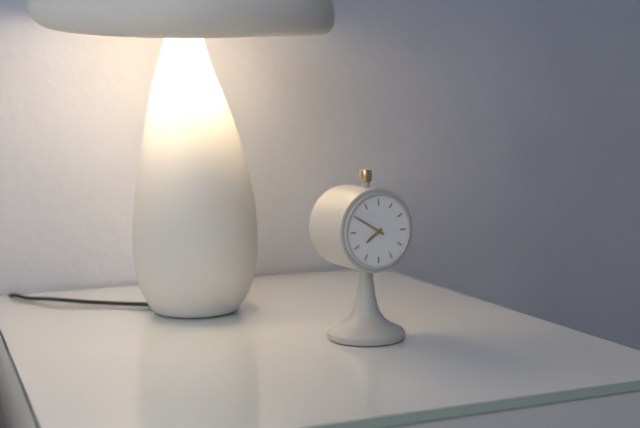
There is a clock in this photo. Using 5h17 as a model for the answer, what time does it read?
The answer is 7h50
